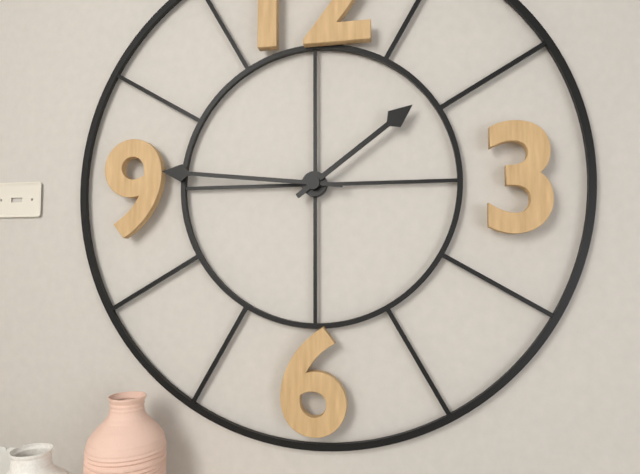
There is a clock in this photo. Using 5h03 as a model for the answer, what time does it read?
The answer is 1h46
